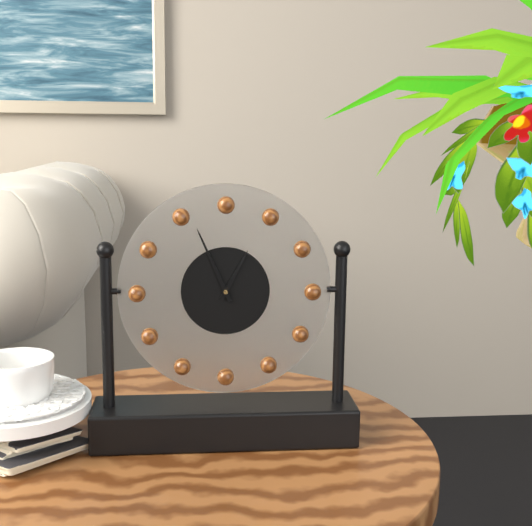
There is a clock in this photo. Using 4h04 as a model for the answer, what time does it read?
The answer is 12h56
